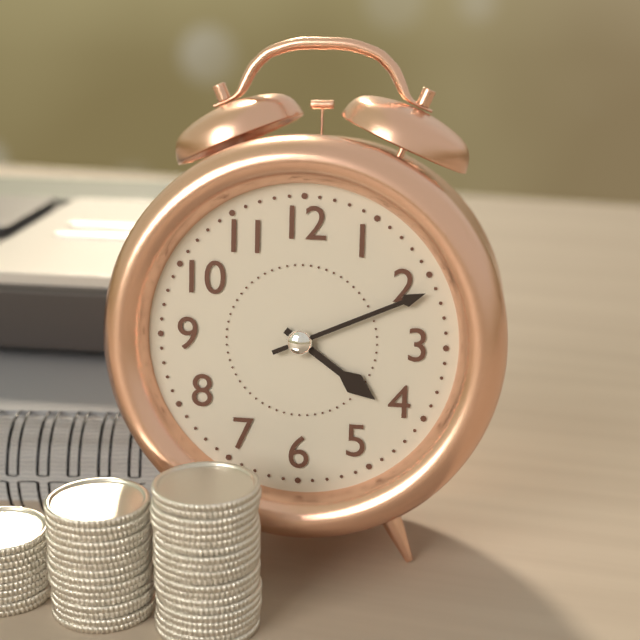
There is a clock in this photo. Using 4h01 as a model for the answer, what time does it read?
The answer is 4h11
